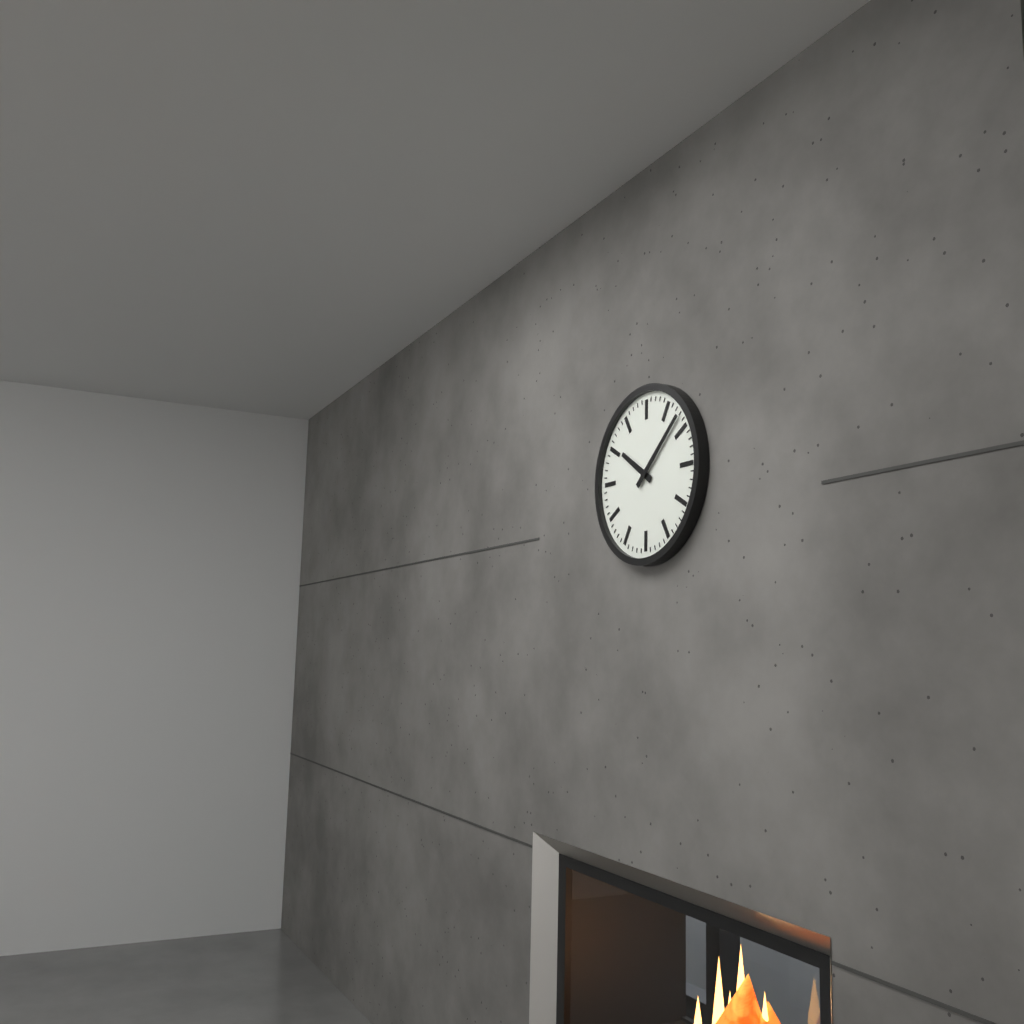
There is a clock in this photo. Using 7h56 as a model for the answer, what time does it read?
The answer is 10h08
